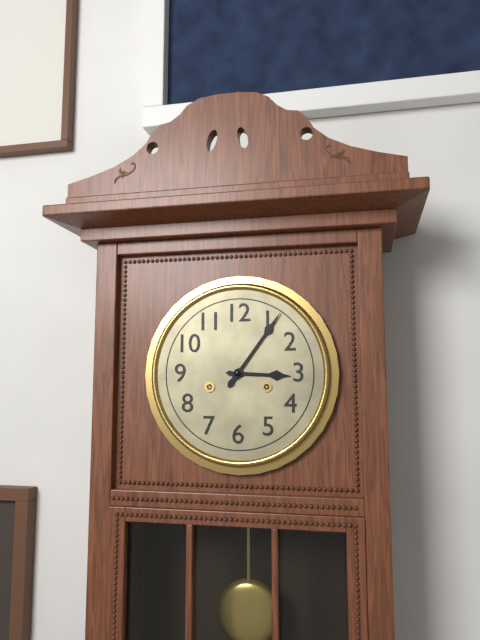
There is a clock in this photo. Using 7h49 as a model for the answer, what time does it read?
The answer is 3h06
